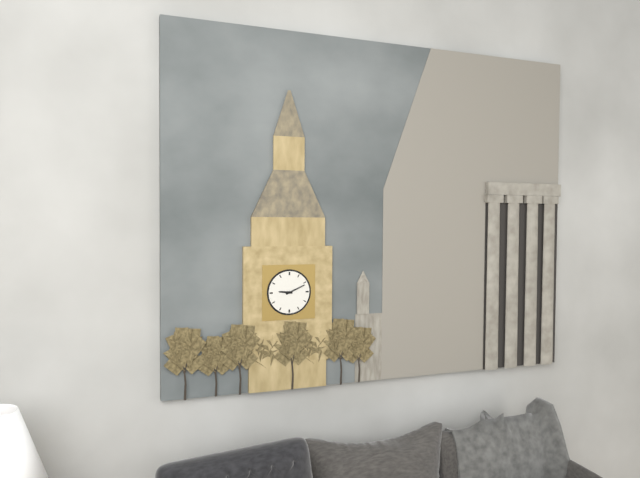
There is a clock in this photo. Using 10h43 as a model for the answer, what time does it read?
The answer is 9h11
